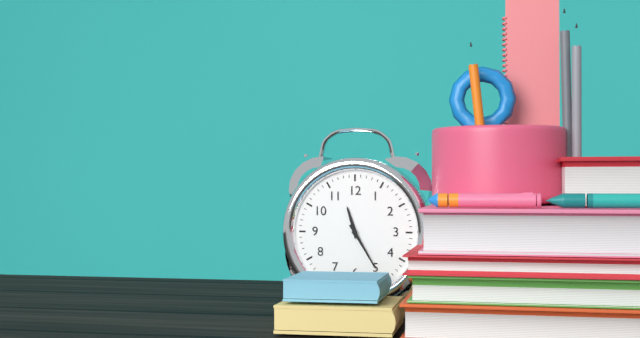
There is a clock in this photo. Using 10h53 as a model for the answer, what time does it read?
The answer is 11h25
